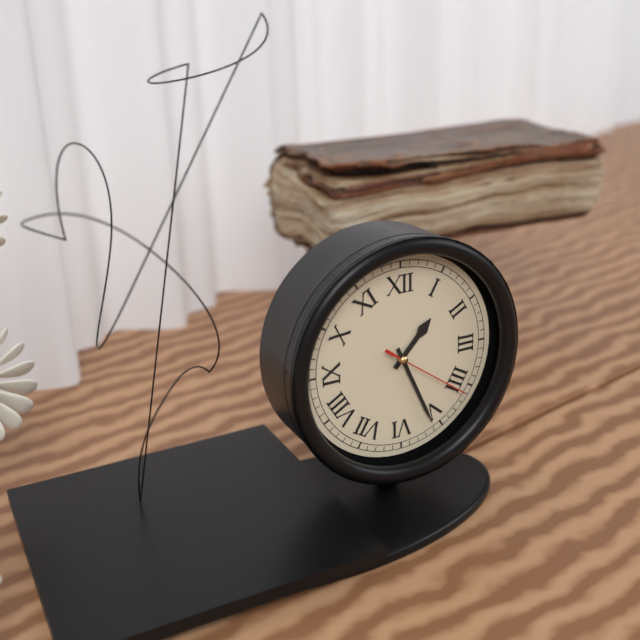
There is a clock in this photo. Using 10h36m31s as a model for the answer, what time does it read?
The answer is 1h26m21s
